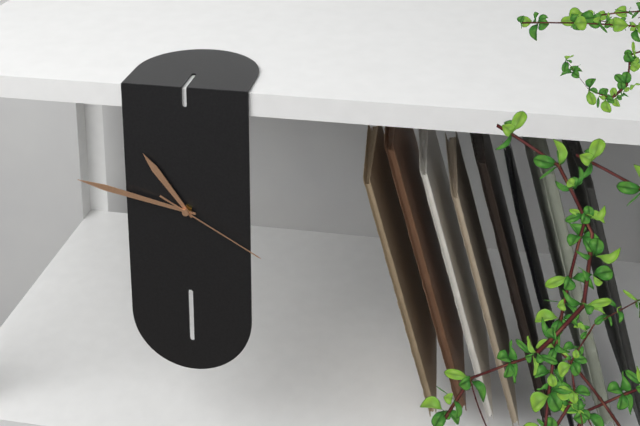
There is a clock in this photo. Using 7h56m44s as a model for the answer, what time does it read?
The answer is 10h47m20s
